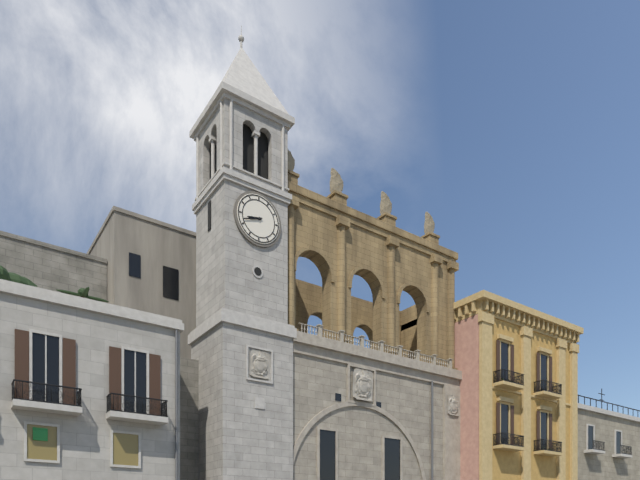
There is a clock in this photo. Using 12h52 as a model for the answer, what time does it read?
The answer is 8h42
